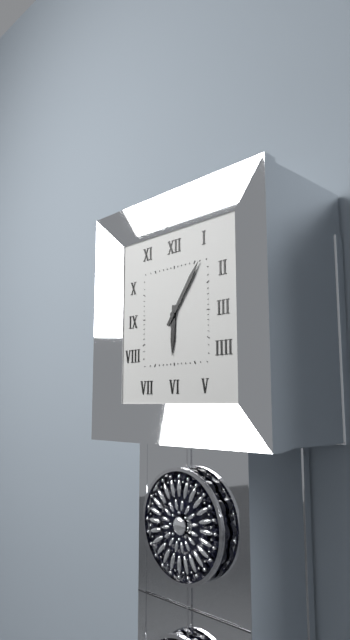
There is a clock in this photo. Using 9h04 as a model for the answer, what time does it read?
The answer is 6h06
